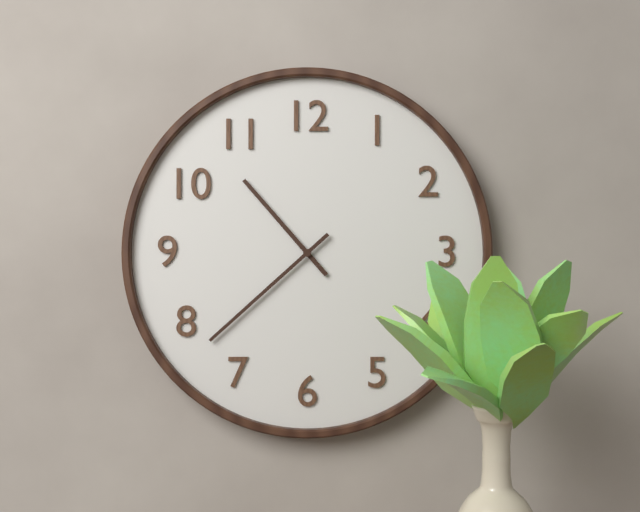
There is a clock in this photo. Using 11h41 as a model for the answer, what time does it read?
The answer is 10h38
